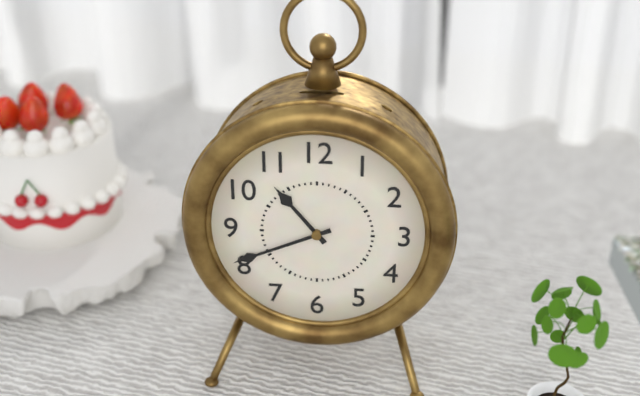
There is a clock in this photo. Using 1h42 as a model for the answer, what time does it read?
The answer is 10h41
